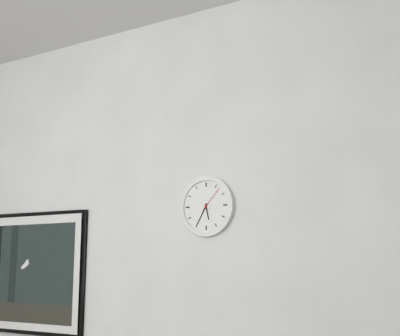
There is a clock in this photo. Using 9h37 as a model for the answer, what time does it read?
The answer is 5h35
